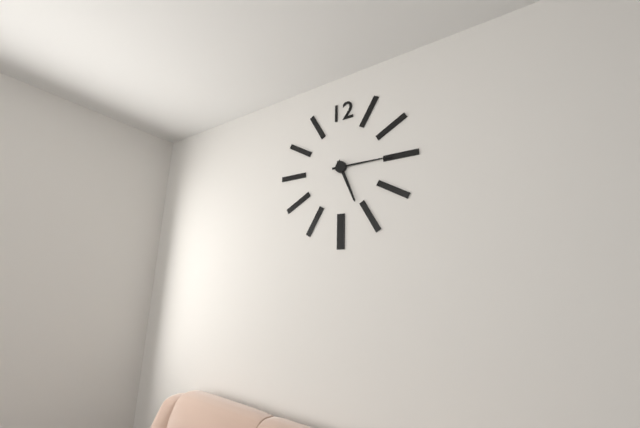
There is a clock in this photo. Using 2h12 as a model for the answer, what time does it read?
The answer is 5h15
